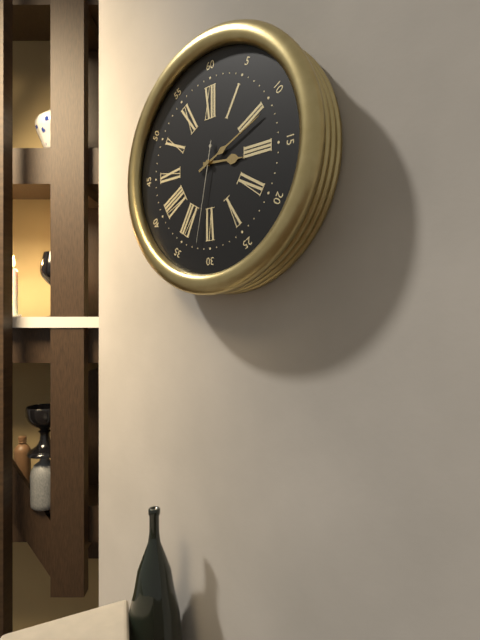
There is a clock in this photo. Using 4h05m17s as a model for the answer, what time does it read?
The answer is 3h11m32s
